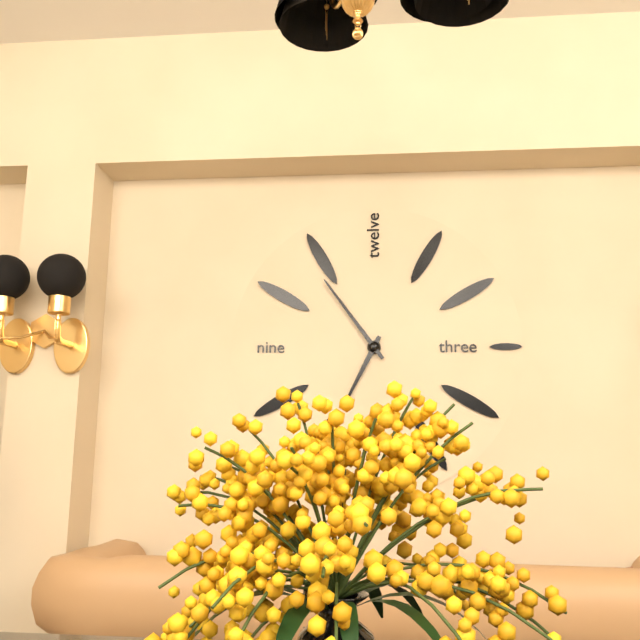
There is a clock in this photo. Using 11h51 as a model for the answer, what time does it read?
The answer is 6h54
